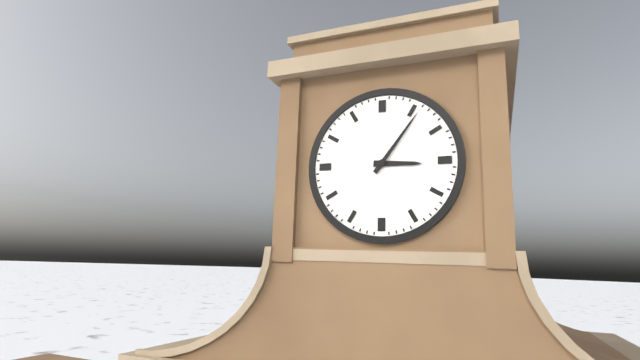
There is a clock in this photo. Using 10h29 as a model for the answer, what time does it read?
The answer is 3h06
